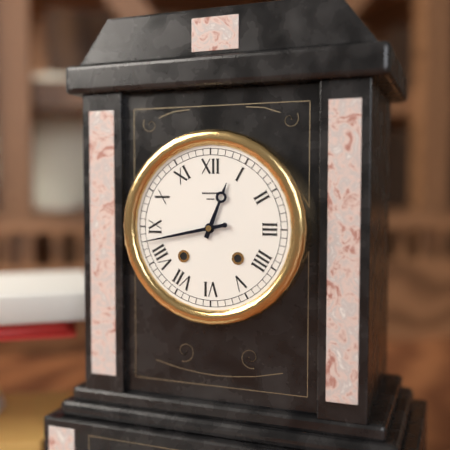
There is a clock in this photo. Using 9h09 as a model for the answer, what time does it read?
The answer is 12h43
